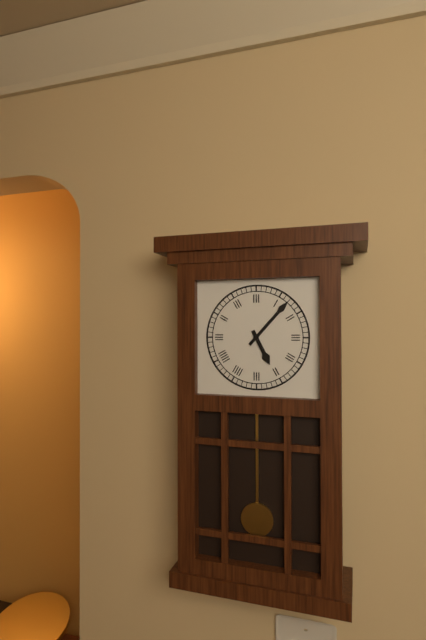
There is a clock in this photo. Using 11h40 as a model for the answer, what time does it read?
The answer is 5h07
